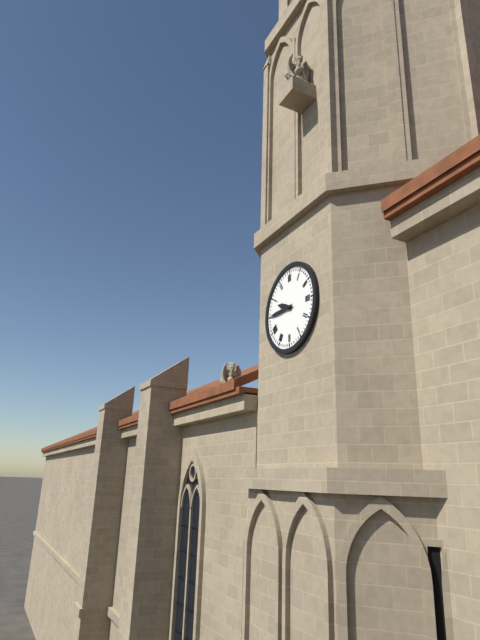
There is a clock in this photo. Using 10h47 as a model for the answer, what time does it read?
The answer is 9h45
